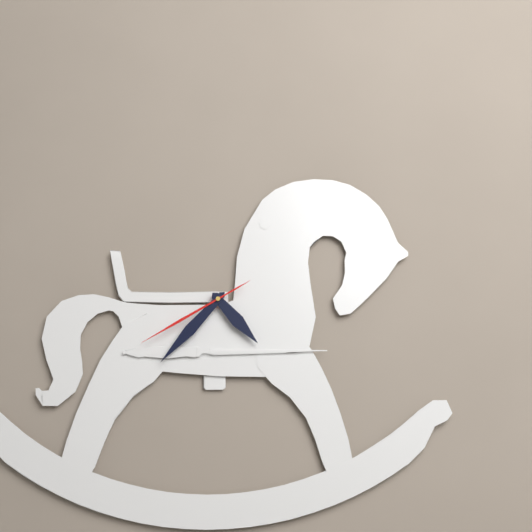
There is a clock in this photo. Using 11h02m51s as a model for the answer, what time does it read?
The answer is 4h37m40s
